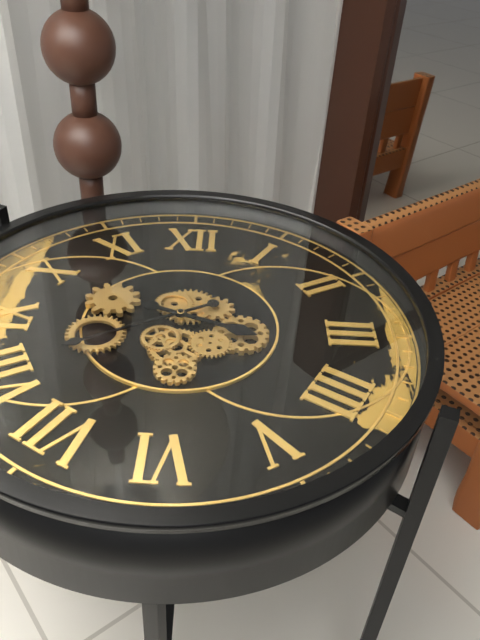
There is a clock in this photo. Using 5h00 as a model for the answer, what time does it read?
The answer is 3h40
